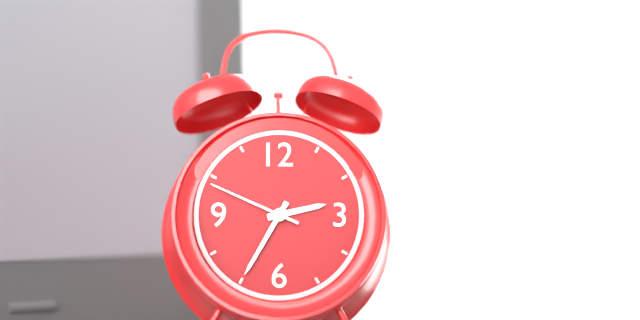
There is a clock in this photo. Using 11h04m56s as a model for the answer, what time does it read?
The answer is 2h35m49s
